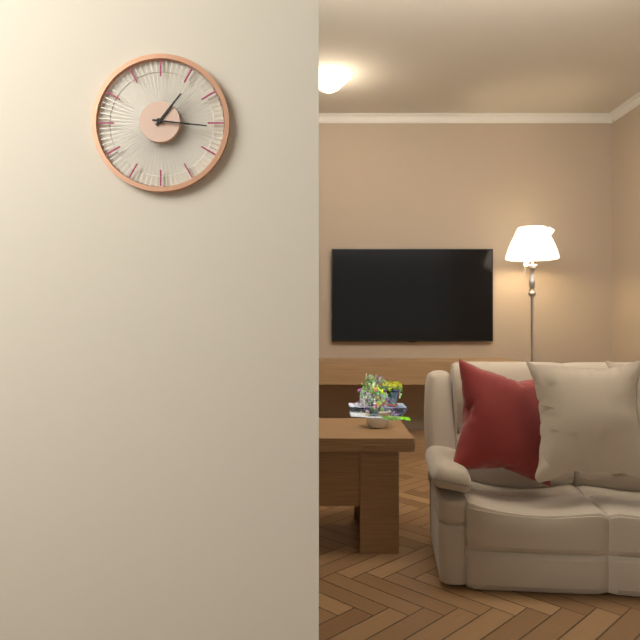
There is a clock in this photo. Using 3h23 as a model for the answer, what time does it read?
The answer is 1h16
